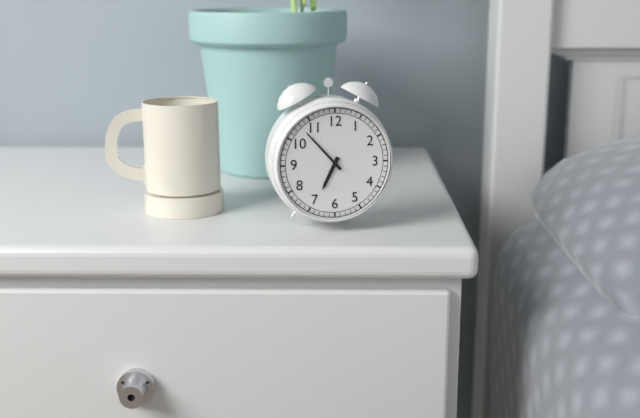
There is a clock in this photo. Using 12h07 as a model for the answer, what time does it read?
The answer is 6h53
